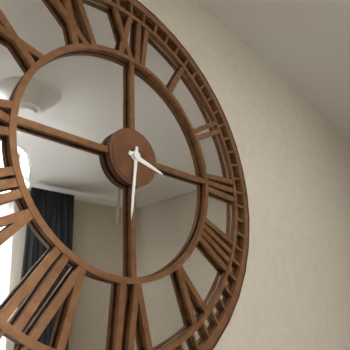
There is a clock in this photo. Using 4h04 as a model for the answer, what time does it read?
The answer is 3h31
